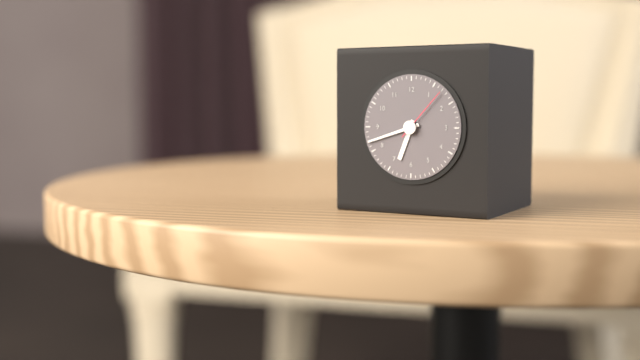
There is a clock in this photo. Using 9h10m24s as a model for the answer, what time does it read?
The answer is 6h42m07s
